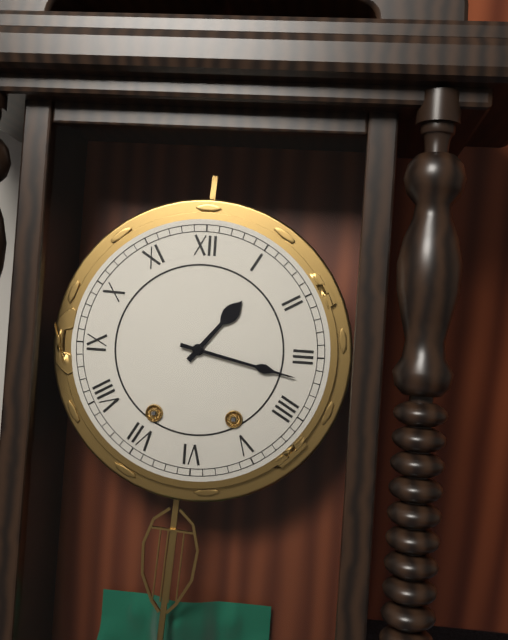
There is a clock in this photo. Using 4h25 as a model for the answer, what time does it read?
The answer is 1h17
